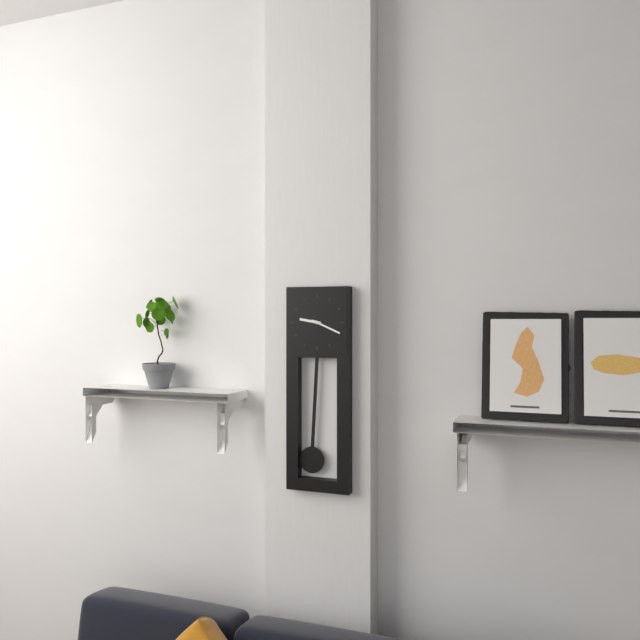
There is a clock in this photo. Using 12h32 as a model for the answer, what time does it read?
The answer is 9h19
